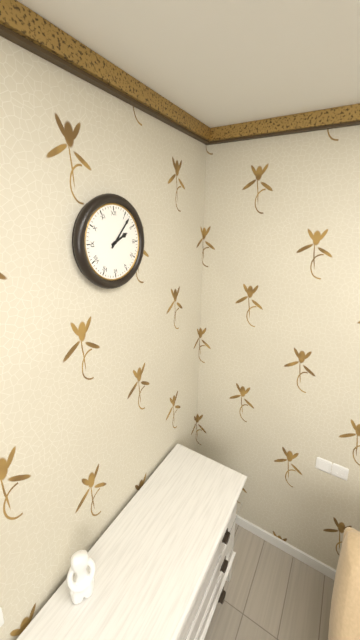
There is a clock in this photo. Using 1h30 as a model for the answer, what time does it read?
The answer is 2h07
